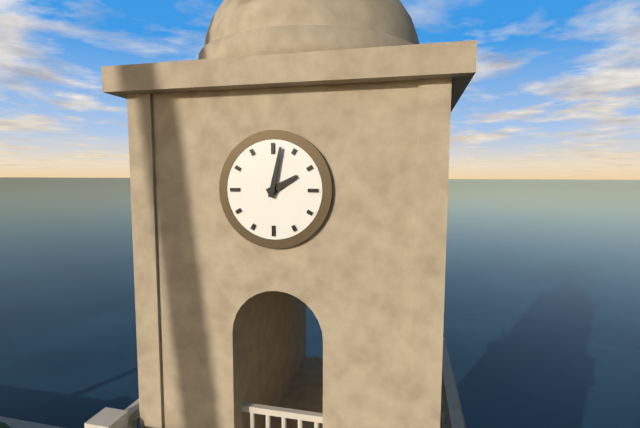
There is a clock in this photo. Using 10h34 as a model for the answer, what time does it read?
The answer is 2h02
